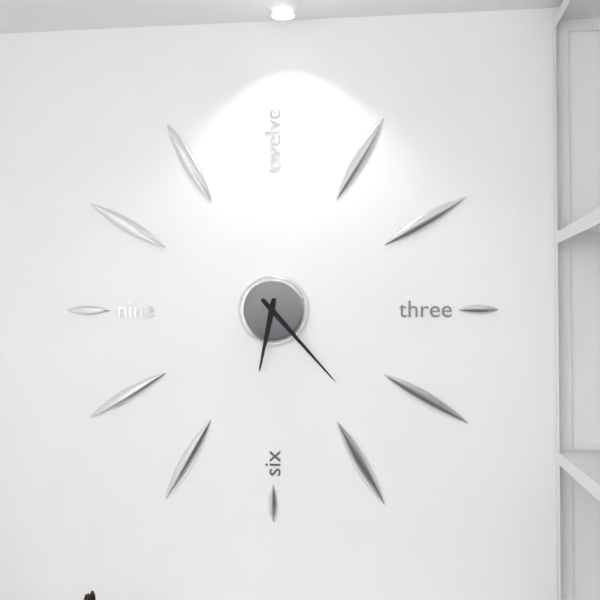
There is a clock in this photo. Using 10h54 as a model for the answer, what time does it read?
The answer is 6h23
